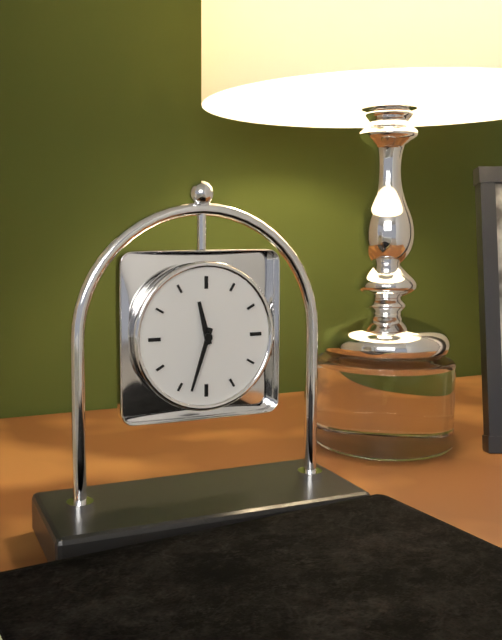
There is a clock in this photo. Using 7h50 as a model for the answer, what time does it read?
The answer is 11h33
